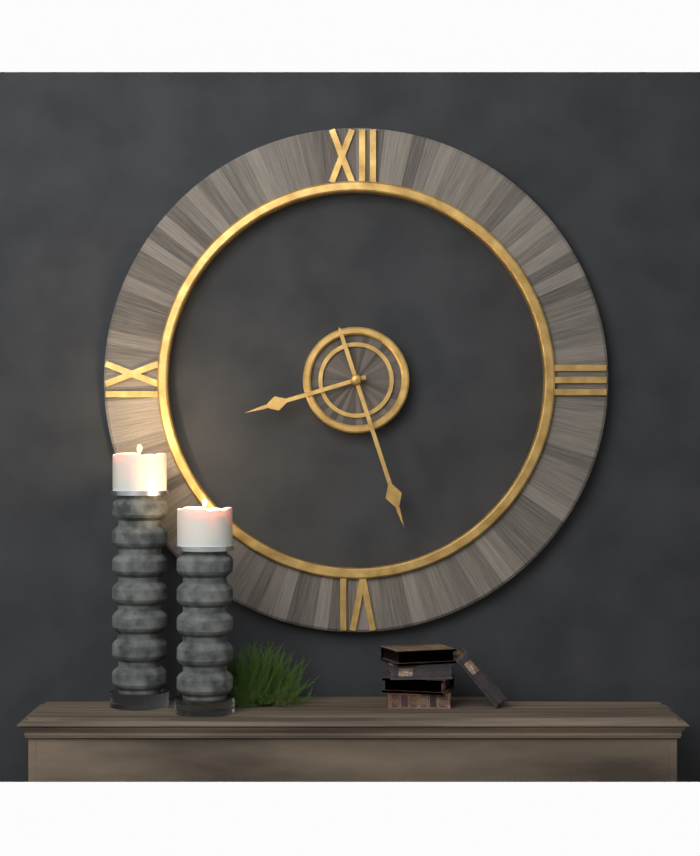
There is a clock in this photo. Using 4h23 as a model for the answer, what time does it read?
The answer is 8h27
